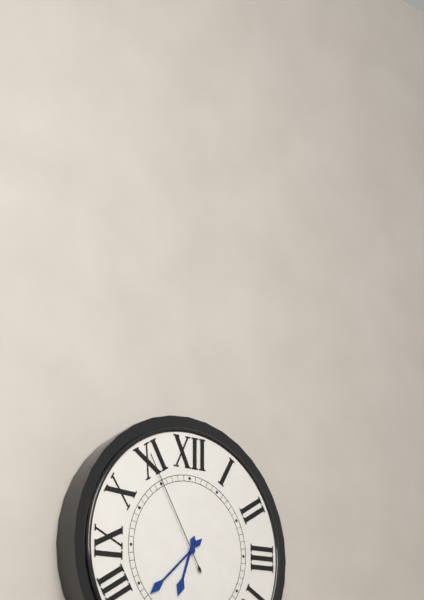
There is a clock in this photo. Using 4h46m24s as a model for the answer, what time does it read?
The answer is 6h38m55s
